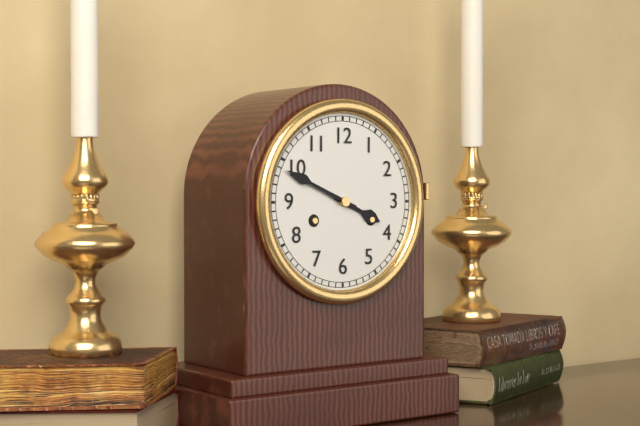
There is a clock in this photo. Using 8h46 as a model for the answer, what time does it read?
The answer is 3h49
